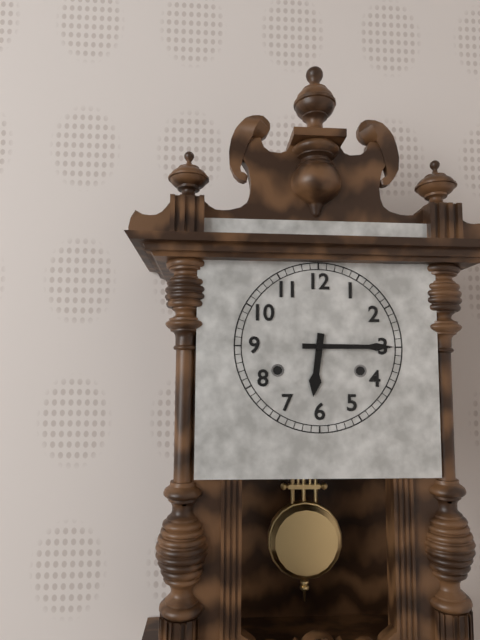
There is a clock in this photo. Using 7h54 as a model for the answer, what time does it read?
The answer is 6h15
